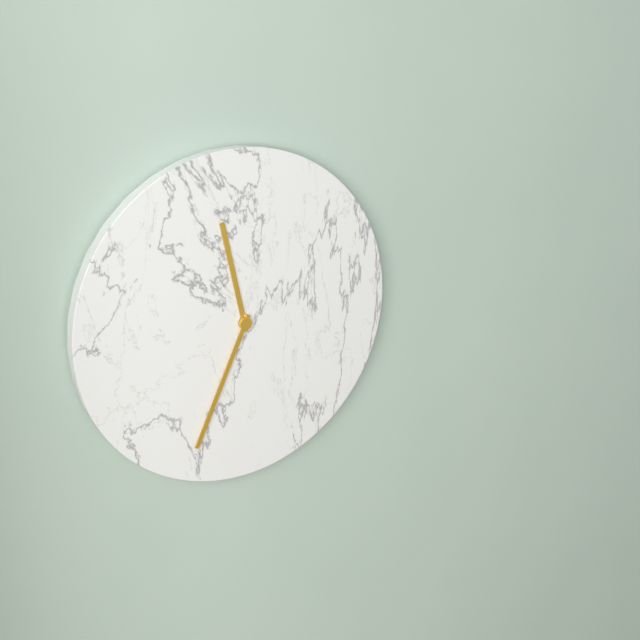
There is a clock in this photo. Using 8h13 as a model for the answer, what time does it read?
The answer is 11h34
